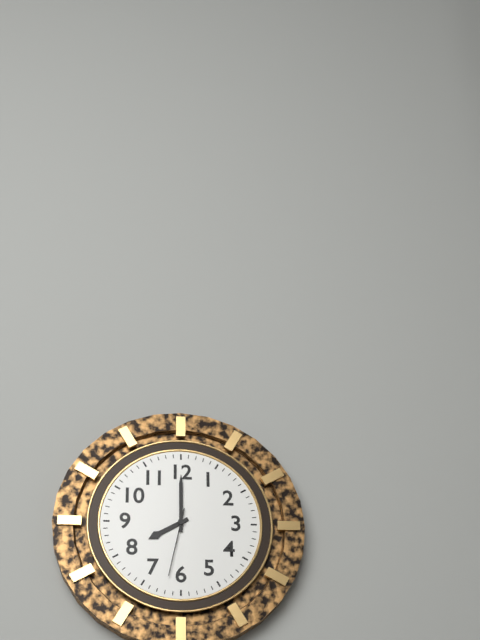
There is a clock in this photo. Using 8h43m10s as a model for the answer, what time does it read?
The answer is 8h00m32s
